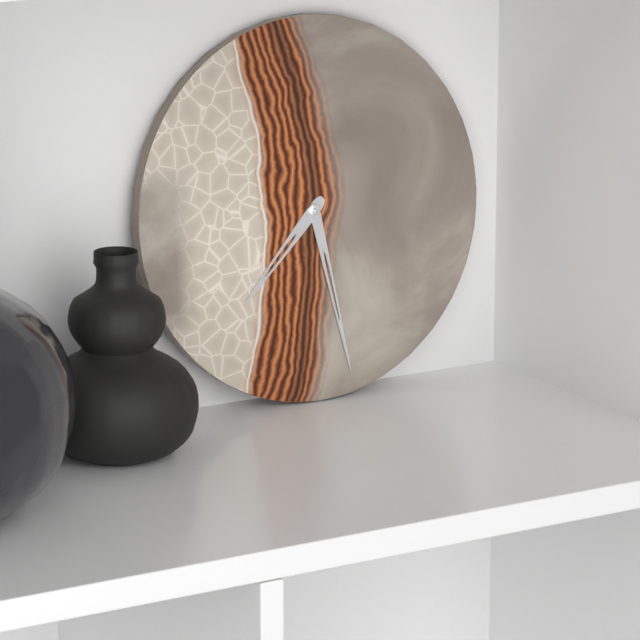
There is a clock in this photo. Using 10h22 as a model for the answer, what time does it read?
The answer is 7h28
